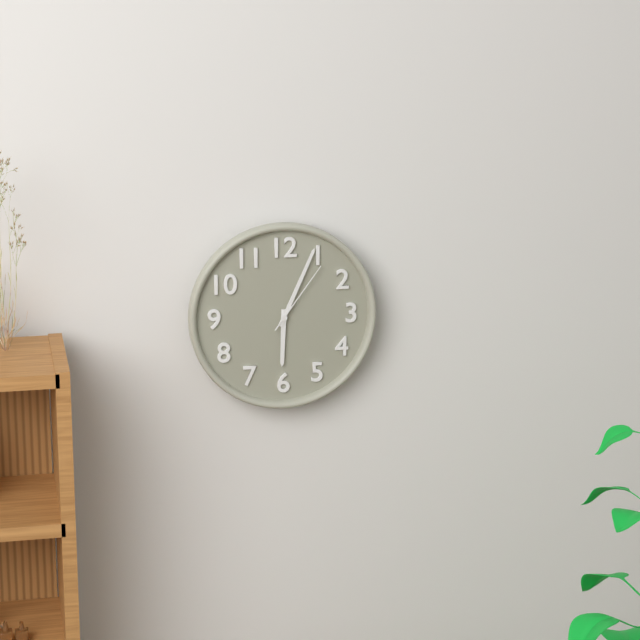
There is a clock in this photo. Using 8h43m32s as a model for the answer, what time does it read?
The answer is 6h04m06s
